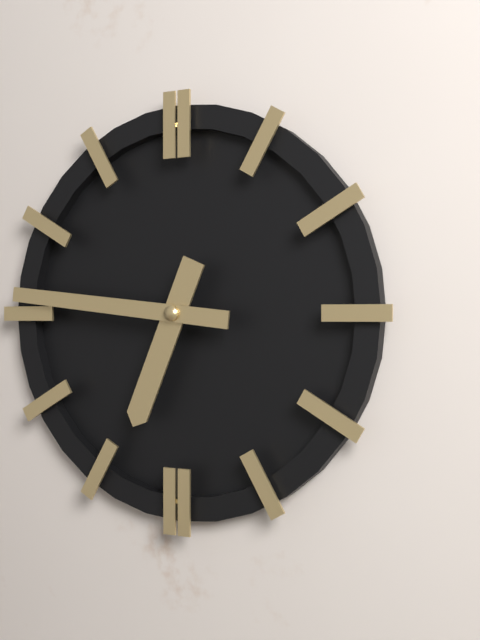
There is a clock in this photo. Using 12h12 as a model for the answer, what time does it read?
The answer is 6h46
